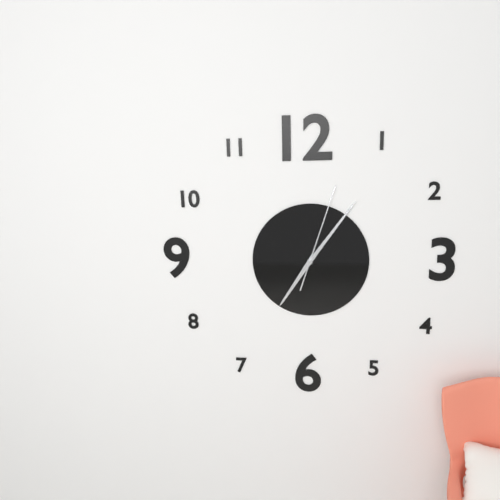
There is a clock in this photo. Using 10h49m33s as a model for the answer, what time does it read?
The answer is 7h06m03s
